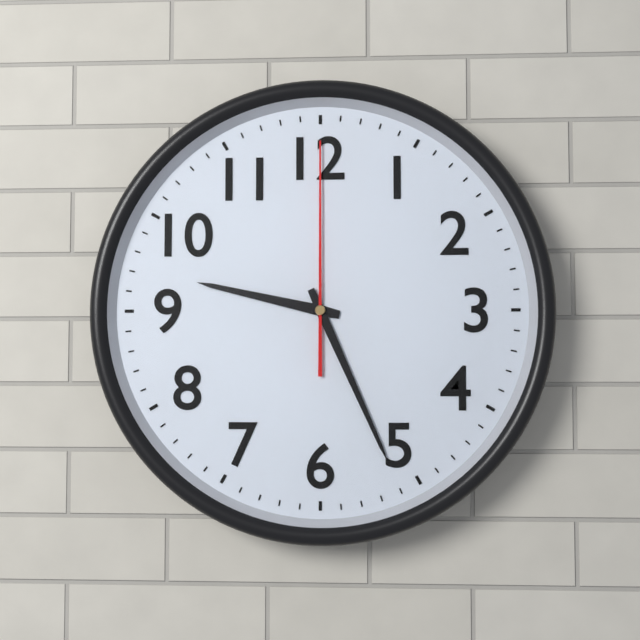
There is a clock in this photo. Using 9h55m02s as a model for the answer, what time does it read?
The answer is 9h26m00s
